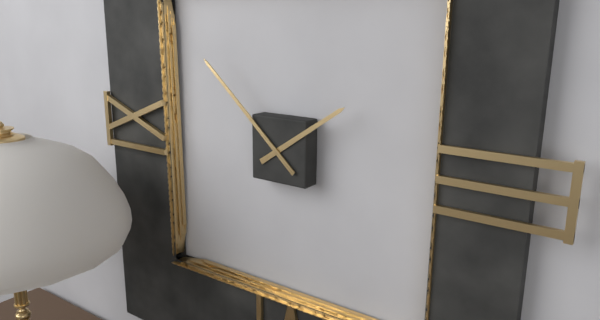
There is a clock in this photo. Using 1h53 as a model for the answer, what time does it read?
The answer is 1h52
